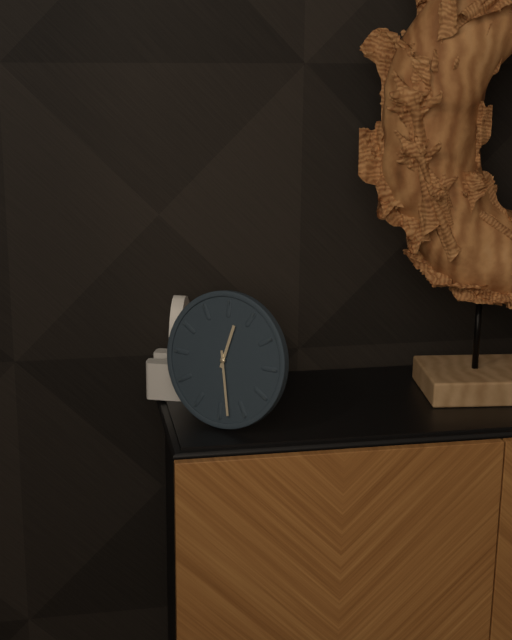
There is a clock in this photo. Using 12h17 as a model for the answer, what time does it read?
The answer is 12h28
